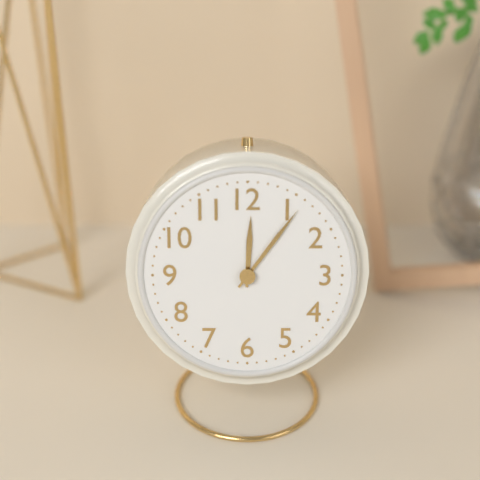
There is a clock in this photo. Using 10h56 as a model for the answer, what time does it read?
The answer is 12h06
